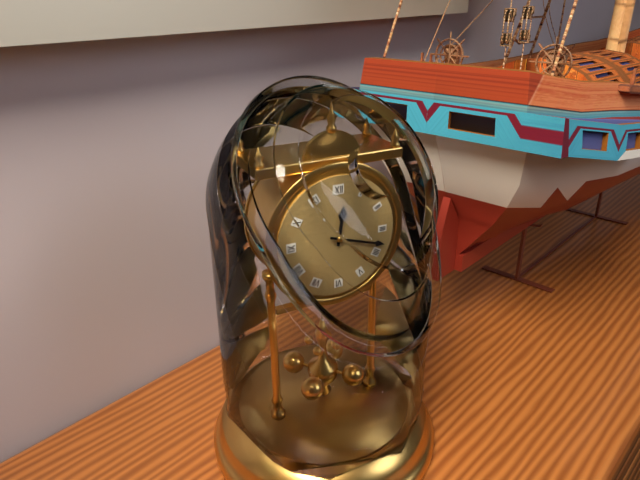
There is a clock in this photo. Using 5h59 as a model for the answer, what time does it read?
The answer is 12h18
